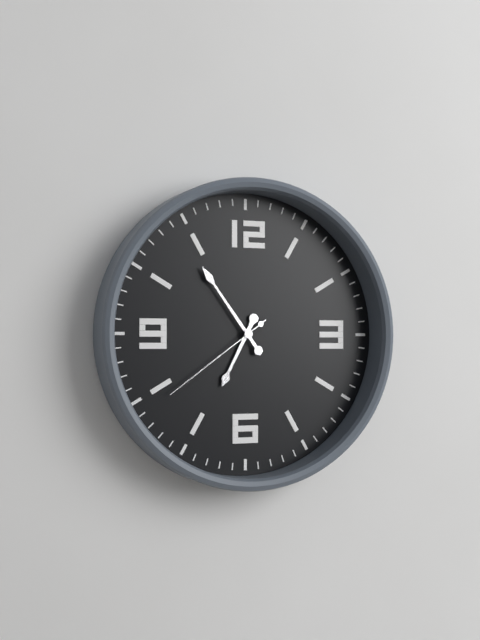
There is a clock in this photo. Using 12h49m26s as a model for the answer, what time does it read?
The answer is 6h54m39s
